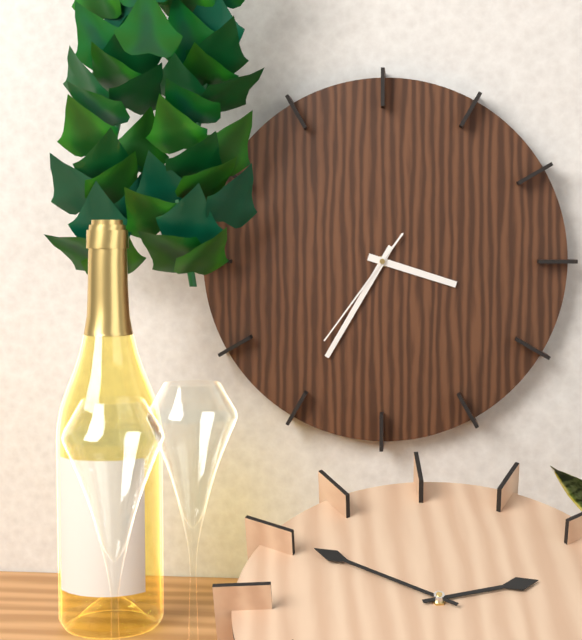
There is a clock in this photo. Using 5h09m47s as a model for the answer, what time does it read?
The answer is 3h35m36s
